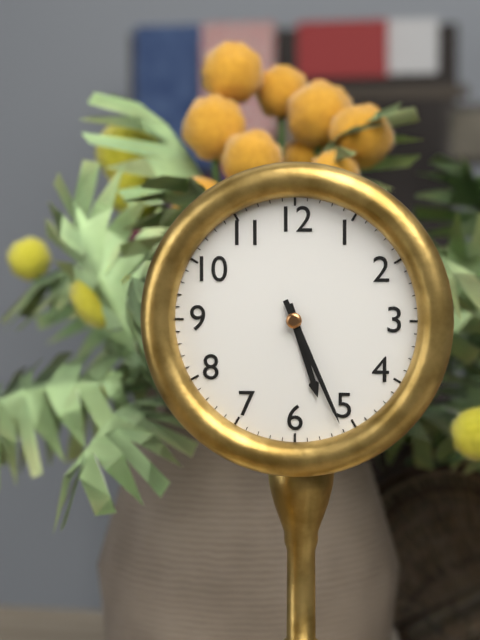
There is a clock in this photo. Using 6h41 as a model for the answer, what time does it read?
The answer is 5h26
